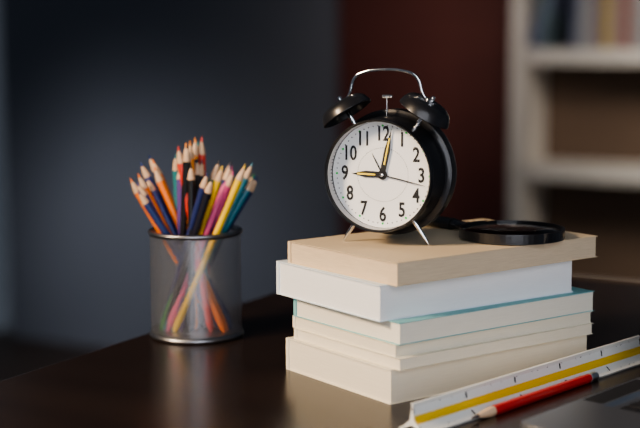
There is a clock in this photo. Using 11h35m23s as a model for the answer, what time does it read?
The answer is 9h02m17s
